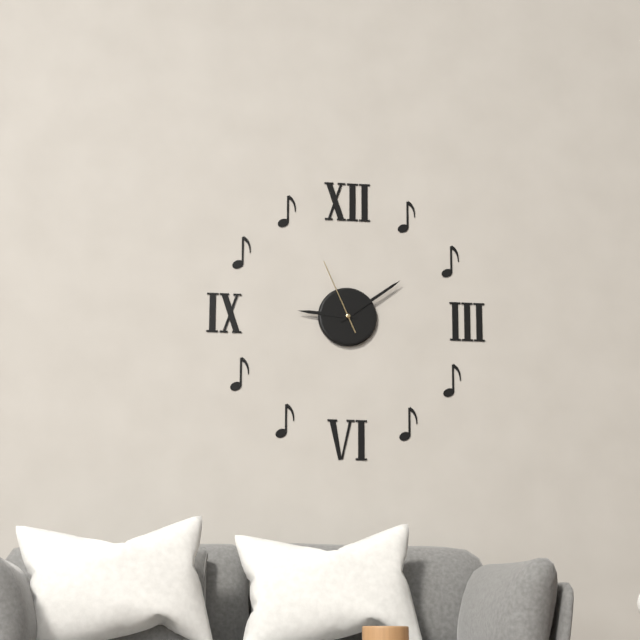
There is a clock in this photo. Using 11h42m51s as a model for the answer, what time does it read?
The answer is 9h09m56s
